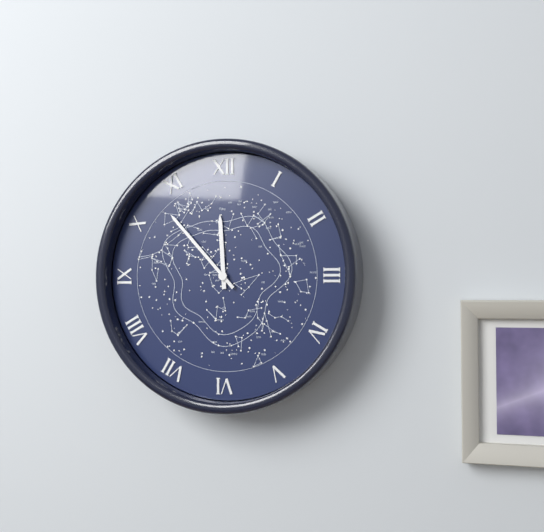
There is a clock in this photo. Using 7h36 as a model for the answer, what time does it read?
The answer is 11h53
